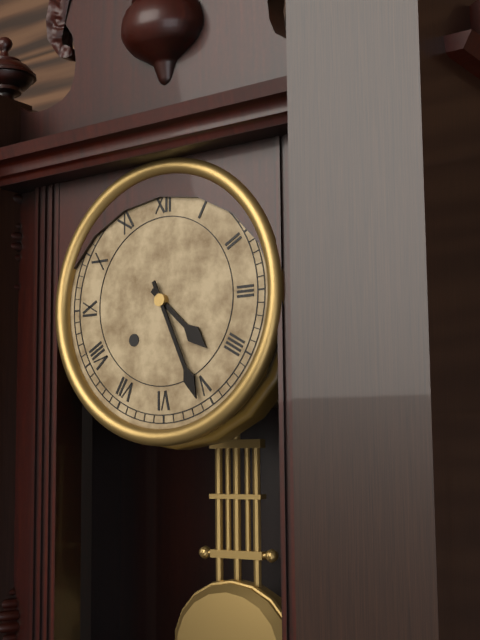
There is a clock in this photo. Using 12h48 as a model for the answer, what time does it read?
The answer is 4h26
